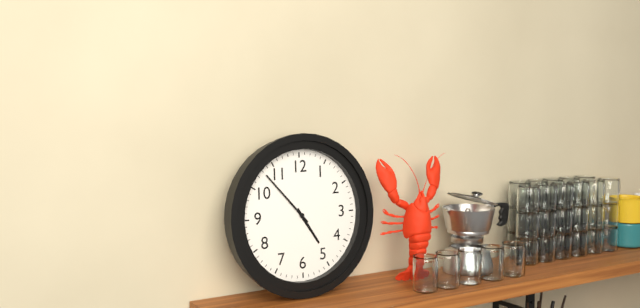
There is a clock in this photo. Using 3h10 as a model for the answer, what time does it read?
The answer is 4h53
